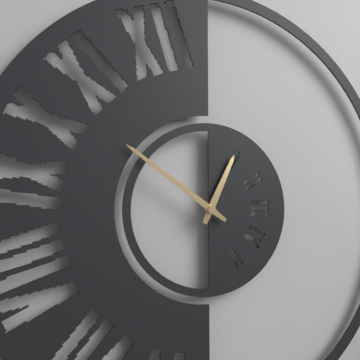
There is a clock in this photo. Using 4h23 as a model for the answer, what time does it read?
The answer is 12h51
